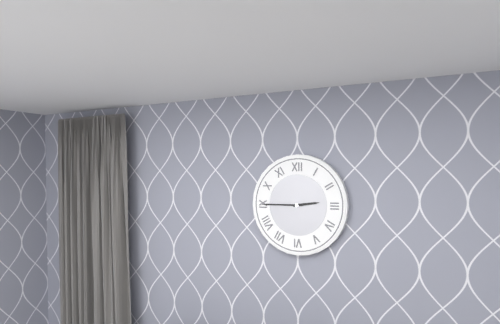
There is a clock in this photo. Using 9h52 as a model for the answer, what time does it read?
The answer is 2h45
